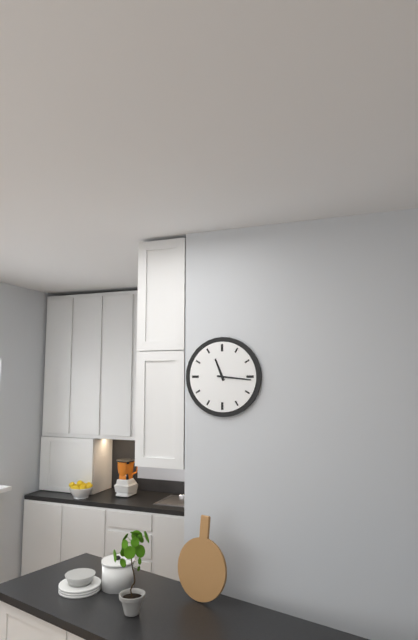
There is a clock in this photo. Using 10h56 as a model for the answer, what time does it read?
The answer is 11h16
